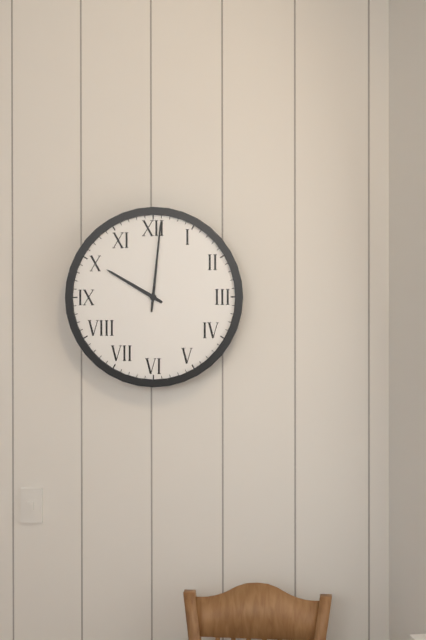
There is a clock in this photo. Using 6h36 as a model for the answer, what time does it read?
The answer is 10h01
